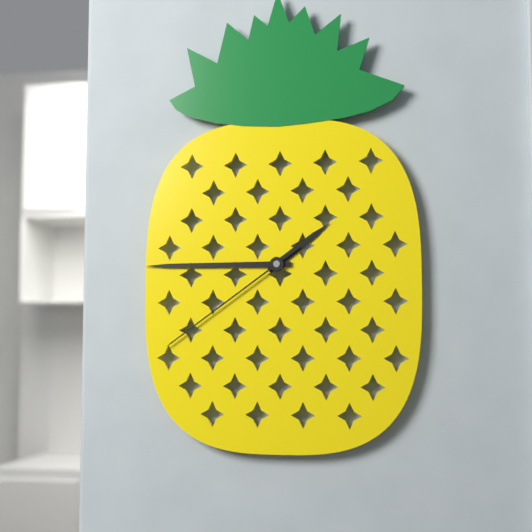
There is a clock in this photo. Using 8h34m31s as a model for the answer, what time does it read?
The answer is 1h45m39s
